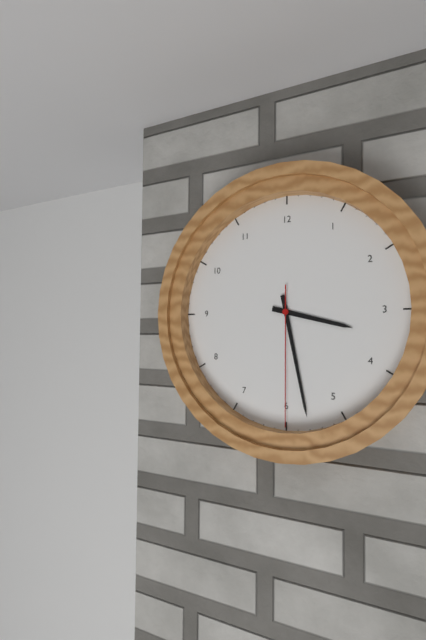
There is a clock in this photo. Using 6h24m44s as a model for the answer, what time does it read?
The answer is 3h28m30s
